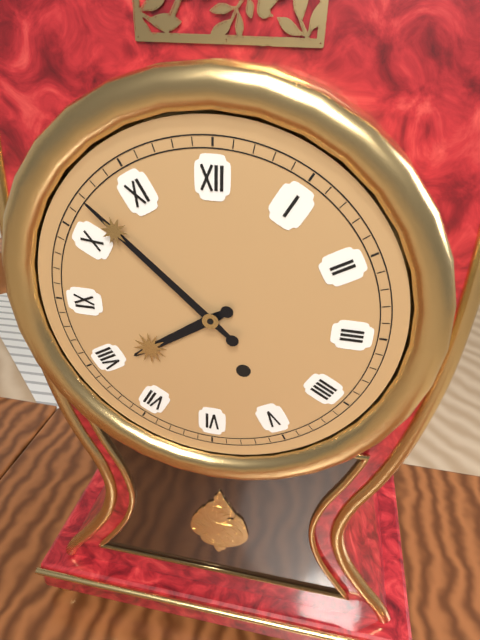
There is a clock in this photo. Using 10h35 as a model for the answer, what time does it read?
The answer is 7h52
